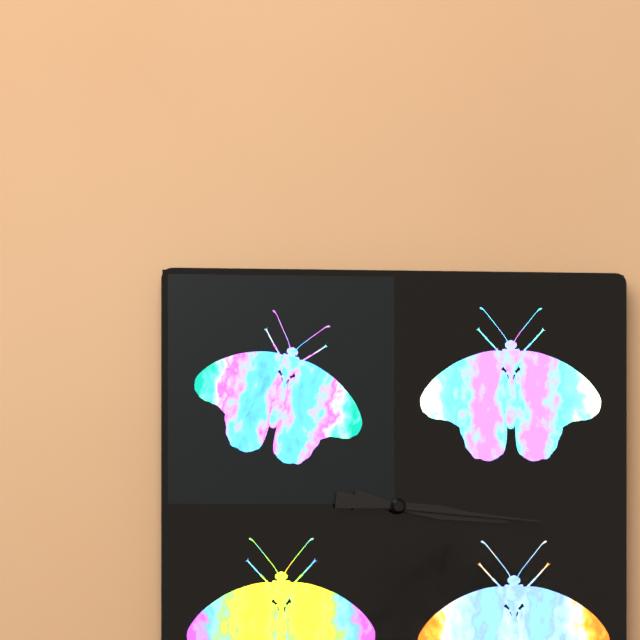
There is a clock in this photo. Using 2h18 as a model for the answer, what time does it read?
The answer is 3h16
